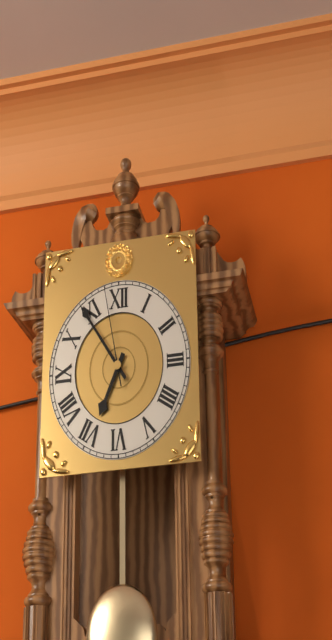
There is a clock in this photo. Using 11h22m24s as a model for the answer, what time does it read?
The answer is 6h54m58s
